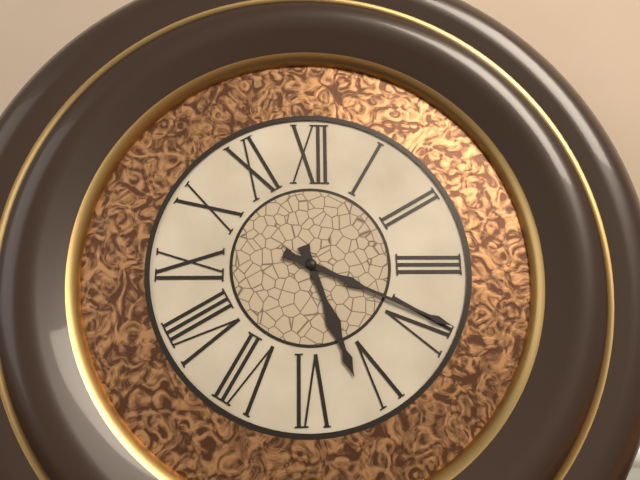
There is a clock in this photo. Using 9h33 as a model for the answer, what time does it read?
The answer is 5h19
